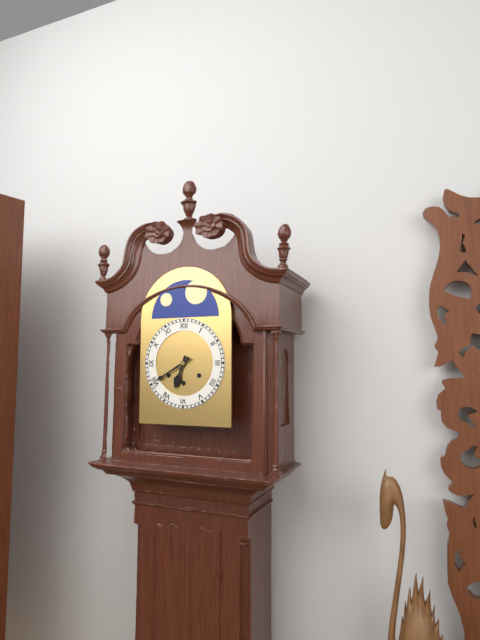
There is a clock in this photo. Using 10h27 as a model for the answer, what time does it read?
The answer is 6h40
